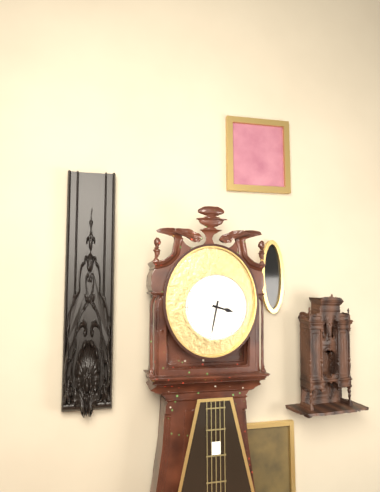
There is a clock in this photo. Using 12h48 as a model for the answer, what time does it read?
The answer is 3h32
